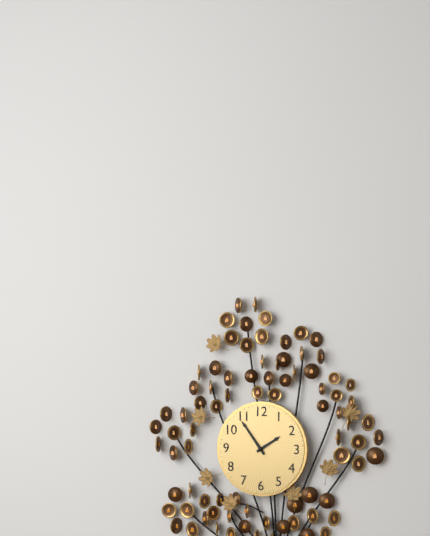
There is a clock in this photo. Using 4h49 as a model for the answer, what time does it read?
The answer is 1h54
